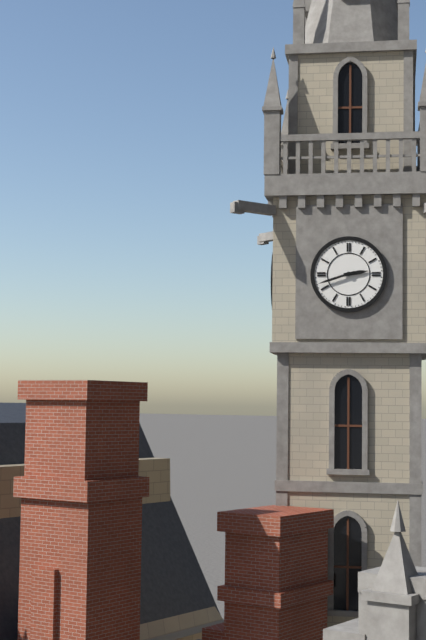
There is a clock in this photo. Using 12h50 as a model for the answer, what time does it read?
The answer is 2h42
